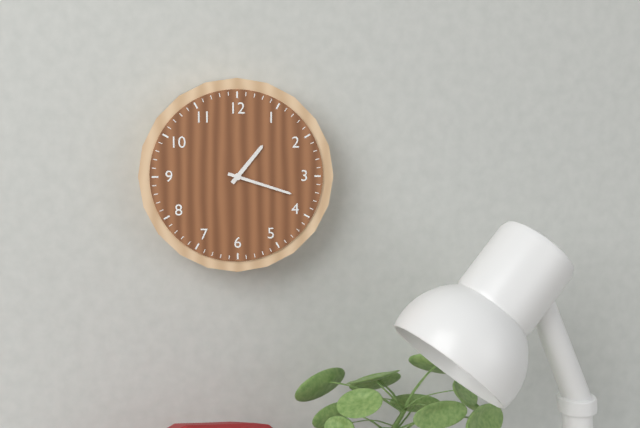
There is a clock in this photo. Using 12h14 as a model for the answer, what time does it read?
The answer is 1h18
